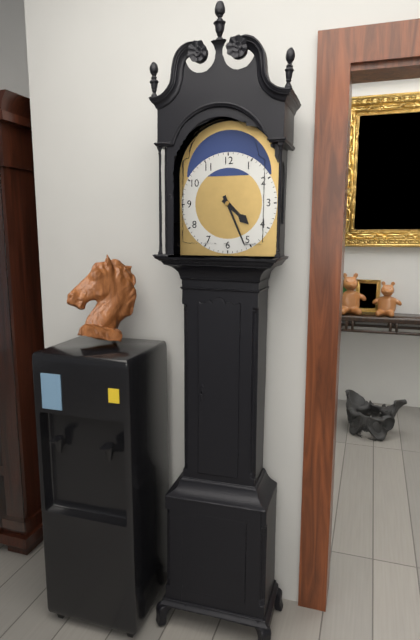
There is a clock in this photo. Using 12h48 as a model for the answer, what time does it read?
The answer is 4h26
